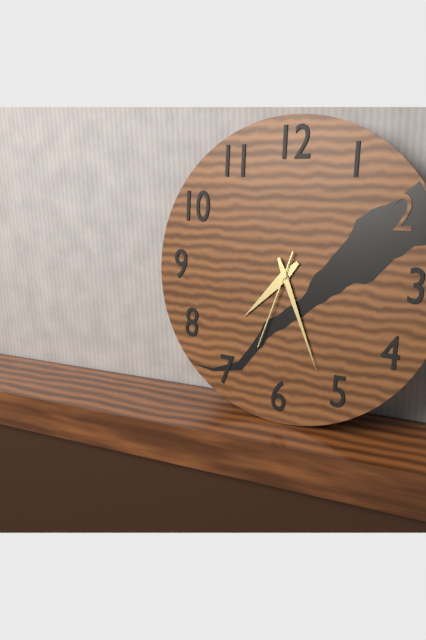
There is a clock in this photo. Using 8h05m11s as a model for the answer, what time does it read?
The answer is 7h26m33s
